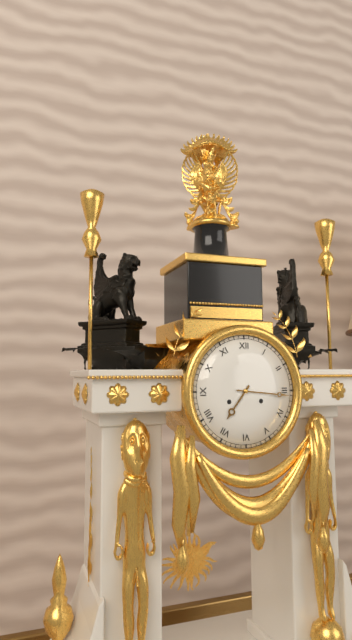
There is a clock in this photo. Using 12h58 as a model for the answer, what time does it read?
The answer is 7h16
